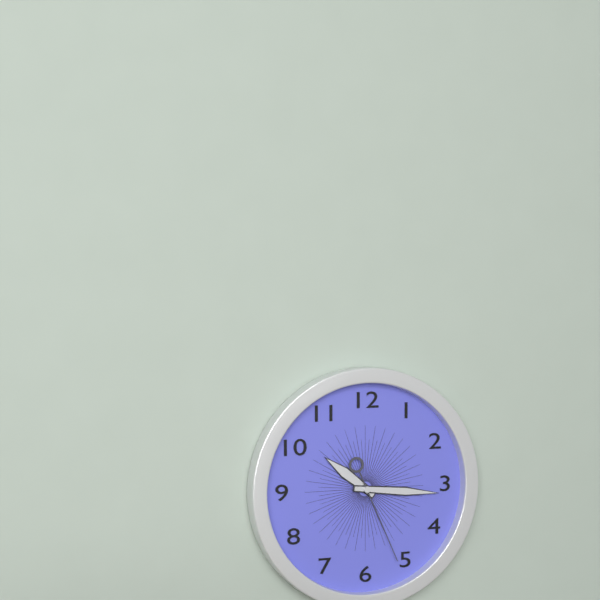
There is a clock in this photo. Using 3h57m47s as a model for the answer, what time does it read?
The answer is 10h16m26s
